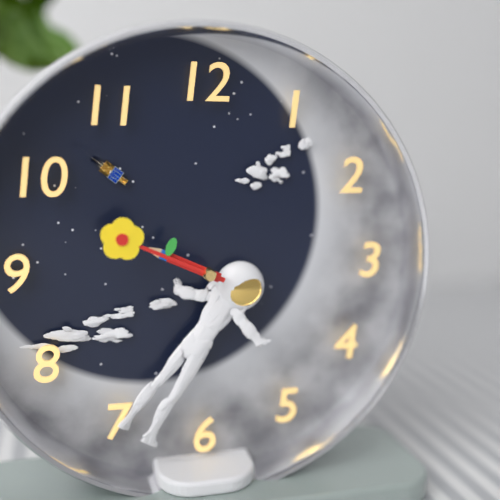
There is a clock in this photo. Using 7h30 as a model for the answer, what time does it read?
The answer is 9h49
